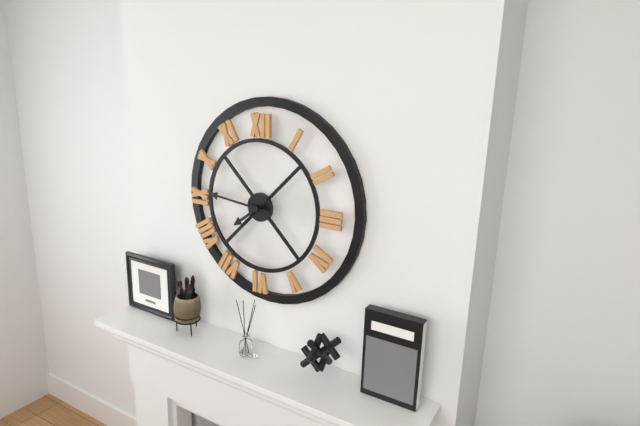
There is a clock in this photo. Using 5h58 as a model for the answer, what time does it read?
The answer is 7h46
